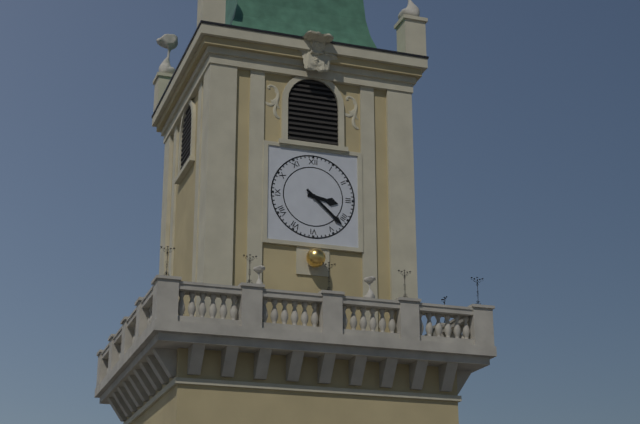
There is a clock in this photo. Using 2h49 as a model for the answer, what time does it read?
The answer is 3h22
